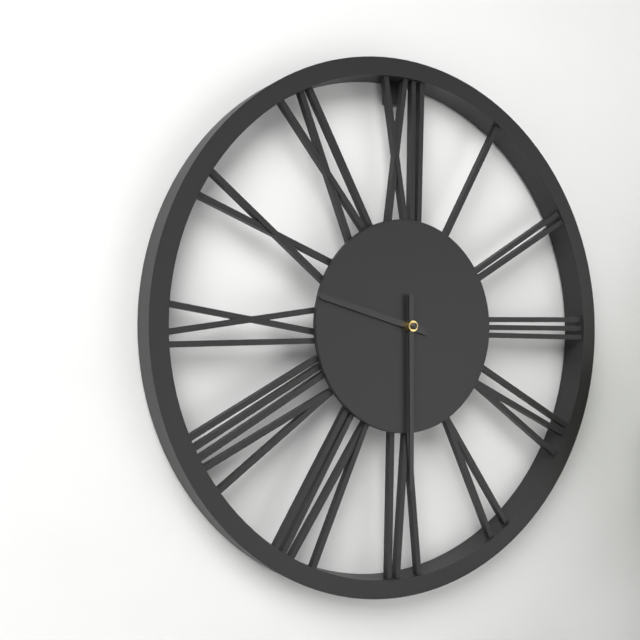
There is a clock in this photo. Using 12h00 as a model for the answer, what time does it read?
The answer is 9h30
